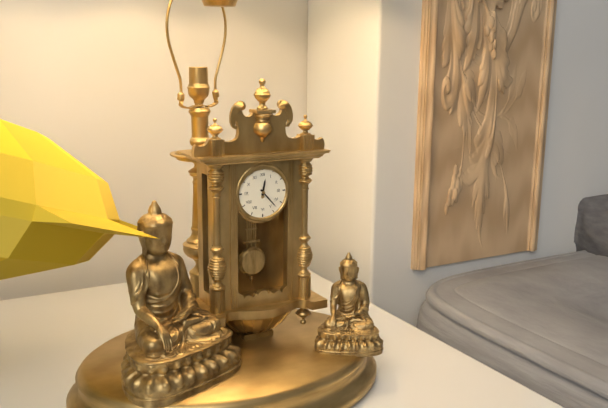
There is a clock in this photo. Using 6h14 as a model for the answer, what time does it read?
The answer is 12h23
